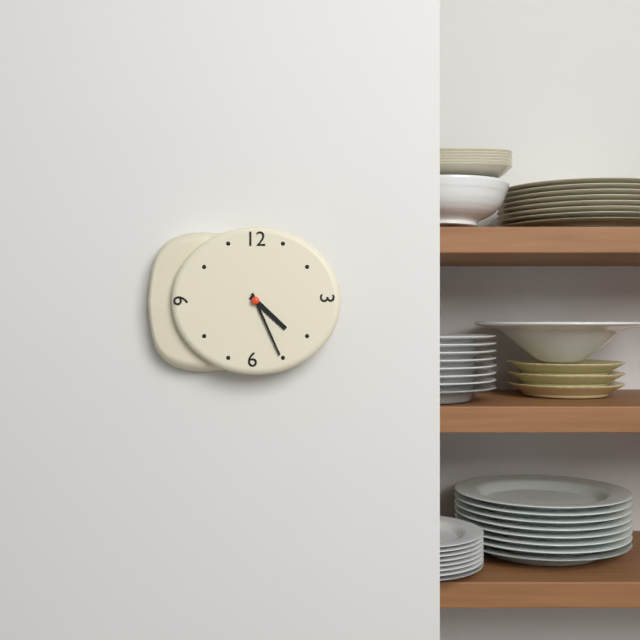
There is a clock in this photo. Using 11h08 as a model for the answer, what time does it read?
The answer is 4h26
